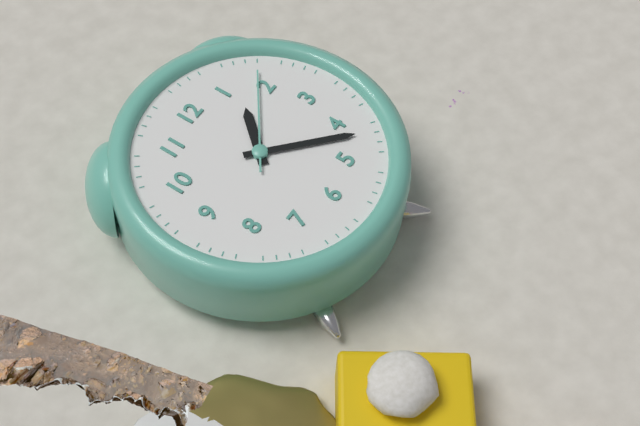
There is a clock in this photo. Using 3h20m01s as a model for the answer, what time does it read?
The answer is 1h22m09s
